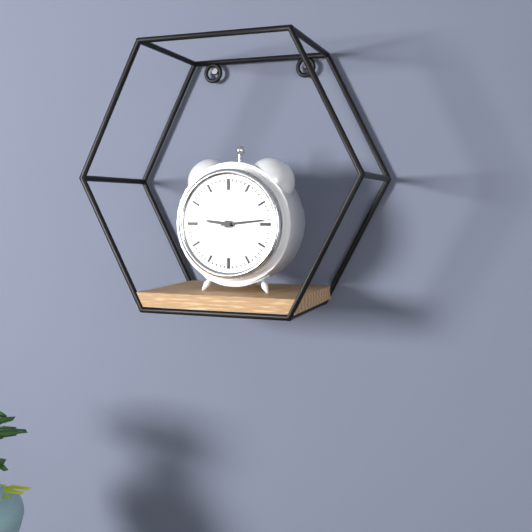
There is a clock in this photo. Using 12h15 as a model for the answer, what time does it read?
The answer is 9h14
